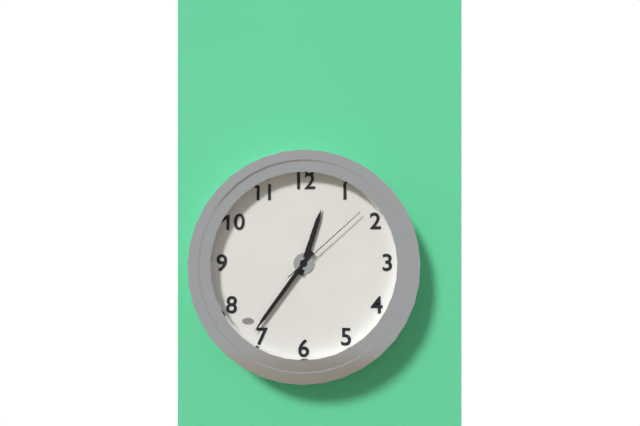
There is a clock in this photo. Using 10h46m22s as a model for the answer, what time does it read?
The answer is 12h36m08s
